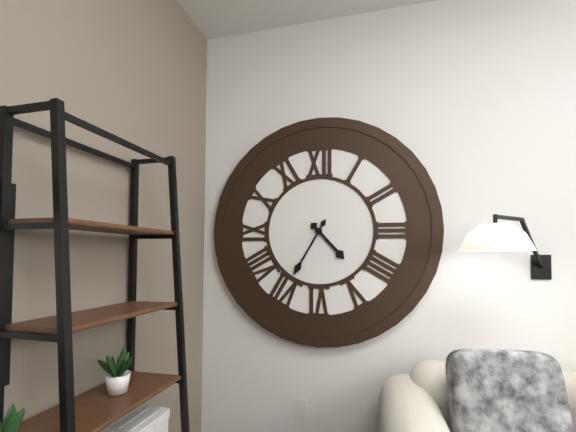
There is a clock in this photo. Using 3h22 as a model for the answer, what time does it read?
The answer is 4h35
